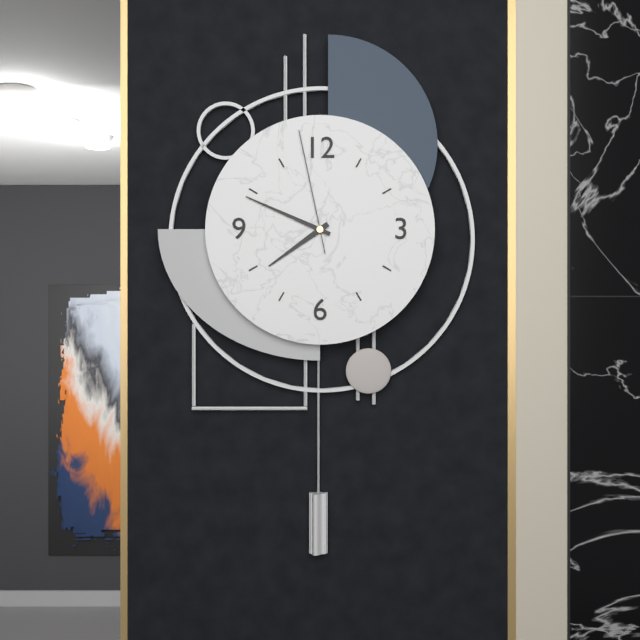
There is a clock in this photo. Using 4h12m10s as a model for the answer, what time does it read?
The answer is 7h49m58s
